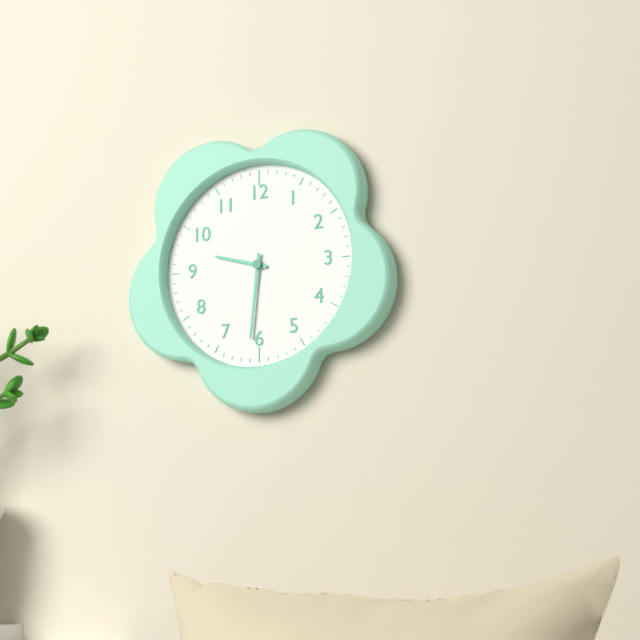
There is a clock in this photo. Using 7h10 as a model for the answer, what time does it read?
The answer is 9h31
